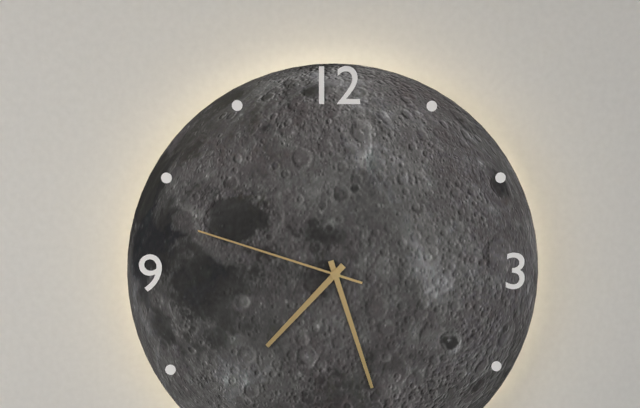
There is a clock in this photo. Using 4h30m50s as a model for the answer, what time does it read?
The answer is 7h27m48s
